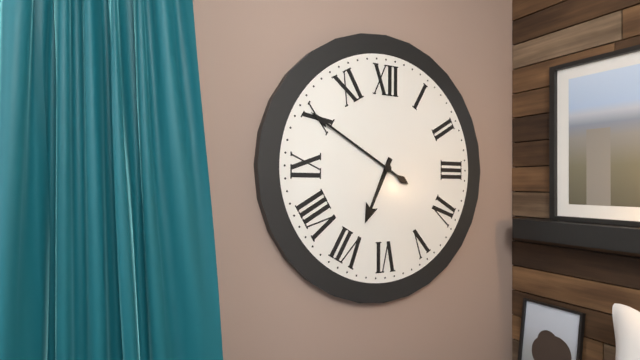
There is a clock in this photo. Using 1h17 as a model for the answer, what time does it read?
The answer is 6h50
